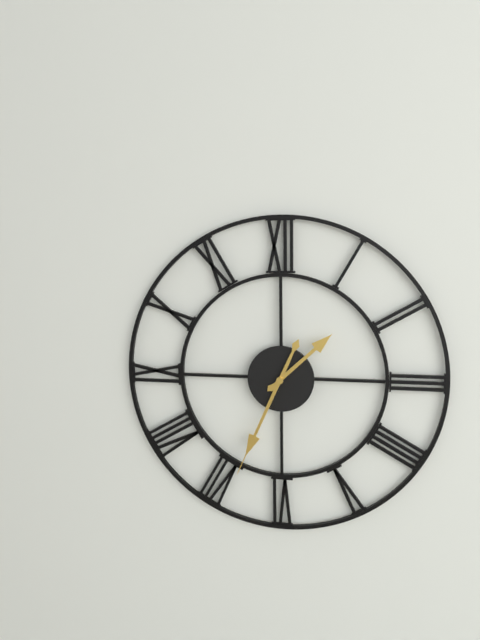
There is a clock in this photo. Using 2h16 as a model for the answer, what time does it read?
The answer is 1h34
